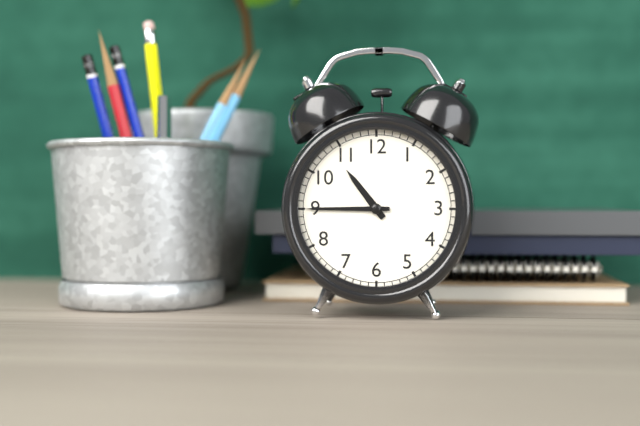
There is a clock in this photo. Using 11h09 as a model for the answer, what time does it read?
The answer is 10h45
